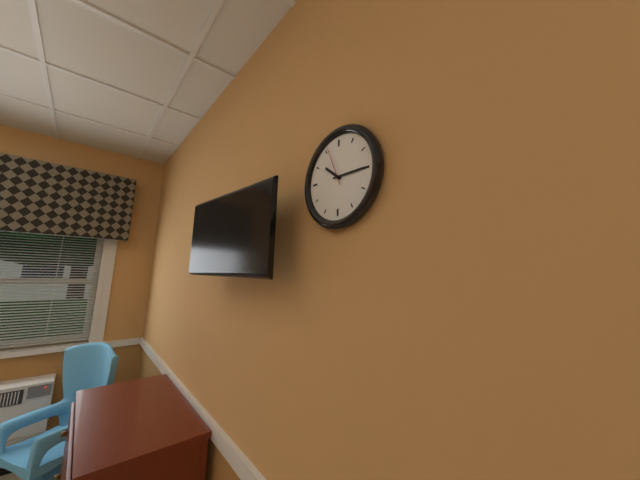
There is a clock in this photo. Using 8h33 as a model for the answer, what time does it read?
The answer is 10h15
